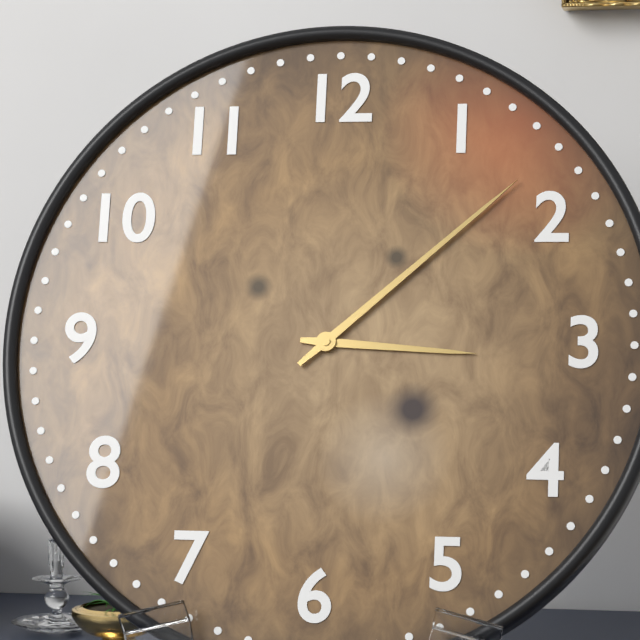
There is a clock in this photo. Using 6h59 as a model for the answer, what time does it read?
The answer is 3h08
